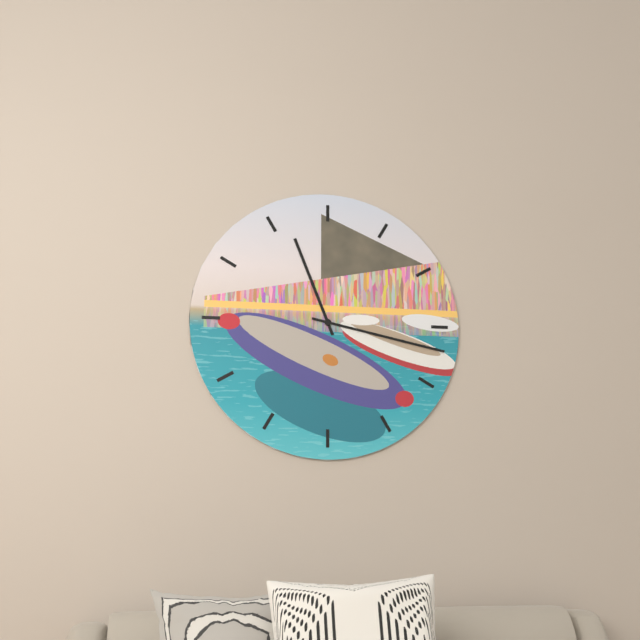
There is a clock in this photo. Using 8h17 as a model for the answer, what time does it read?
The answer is 11h17
